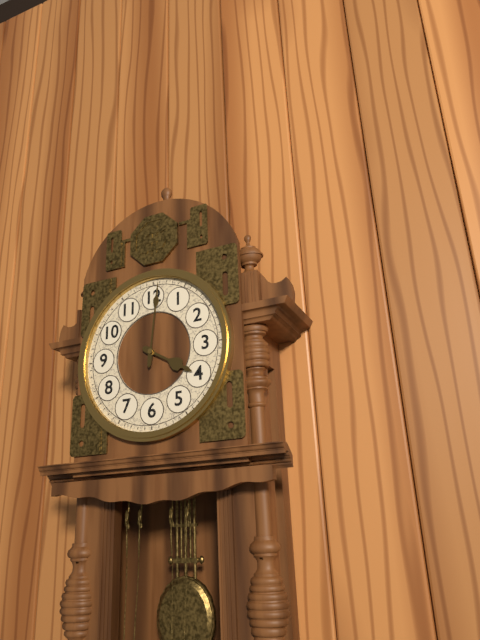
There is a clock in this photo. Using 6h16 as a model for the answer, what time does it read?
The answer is 4h01
